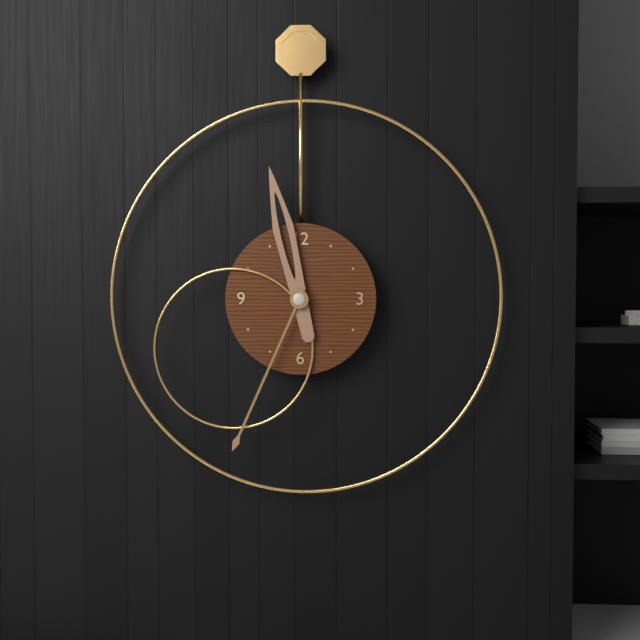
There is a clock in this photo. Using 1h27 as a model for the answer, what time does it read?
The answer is 11h34
